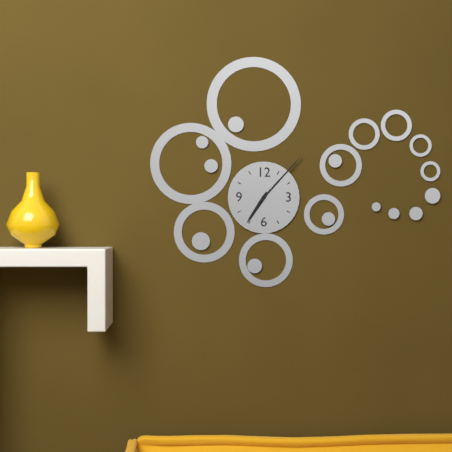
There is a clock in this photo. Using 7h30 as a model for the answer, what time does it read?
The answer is 7h07
